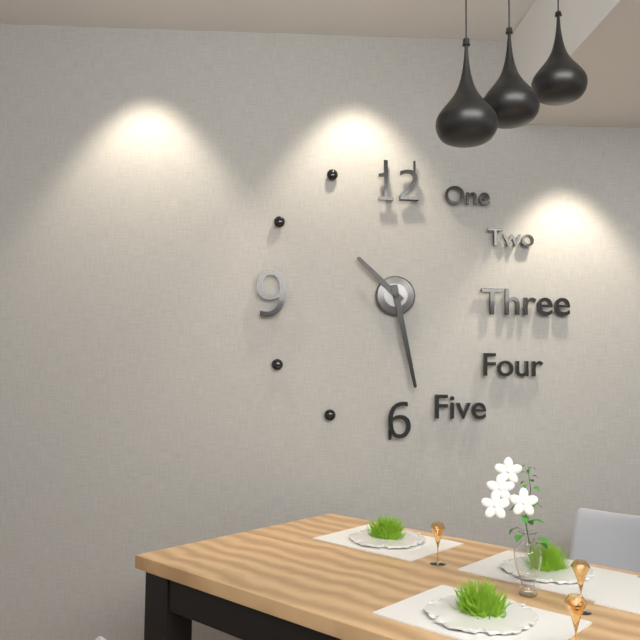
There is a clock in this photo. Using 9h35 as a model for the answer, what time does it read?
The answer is 10h28
